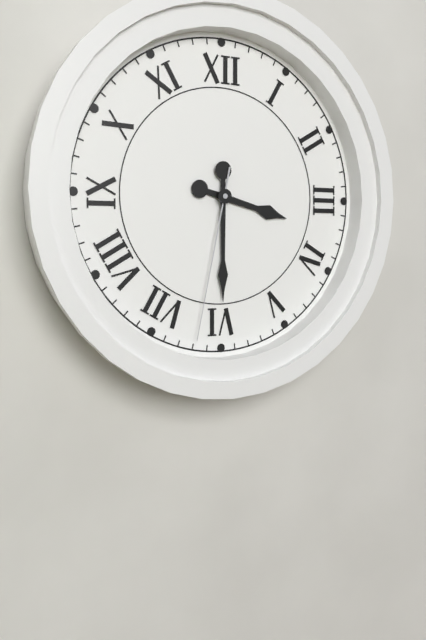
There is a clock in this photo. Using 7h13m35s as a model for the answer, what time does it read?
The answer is 3h30m32s
